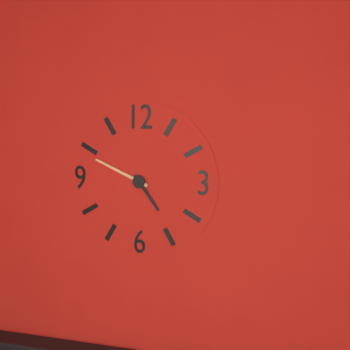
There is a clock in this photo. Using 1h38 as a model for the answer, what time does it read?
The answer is 4h49
